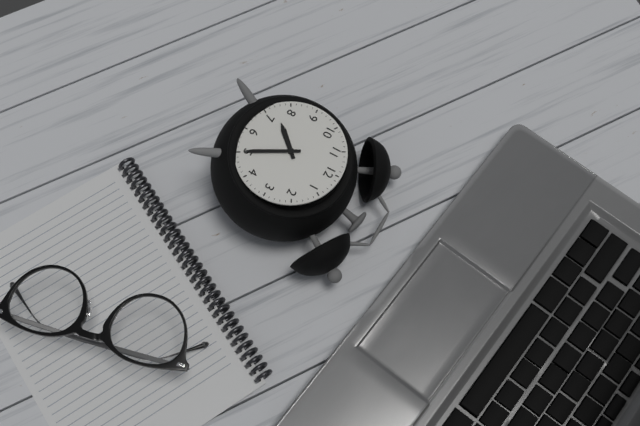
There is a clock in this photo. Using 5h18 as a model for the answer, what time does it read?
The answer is 7h25
